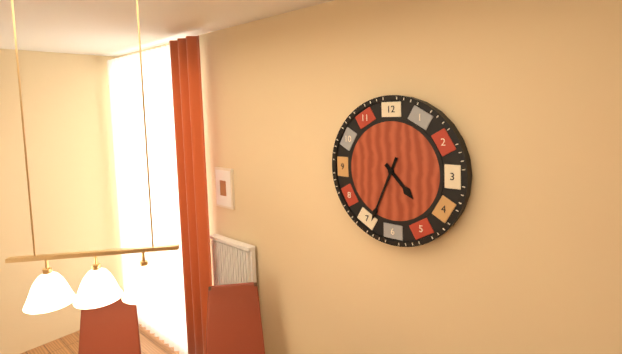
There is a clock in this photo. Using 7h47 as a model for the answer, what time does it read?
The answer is 4h34
